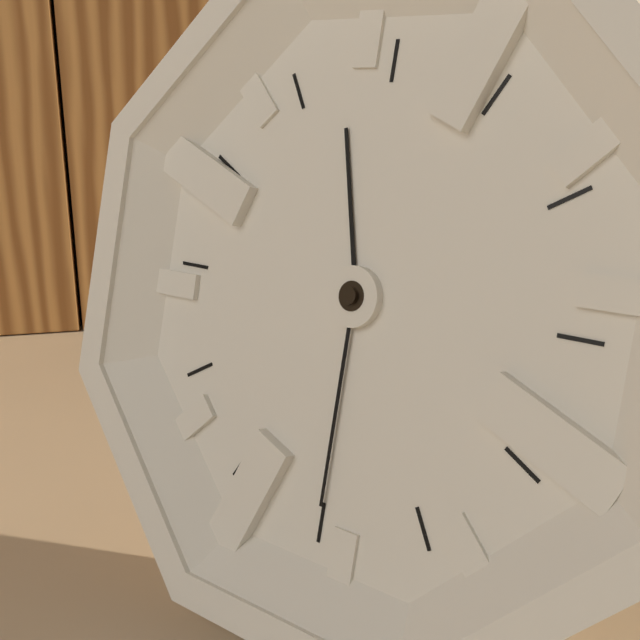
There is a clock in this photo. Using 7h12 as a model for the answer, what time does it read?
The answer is 11h30
